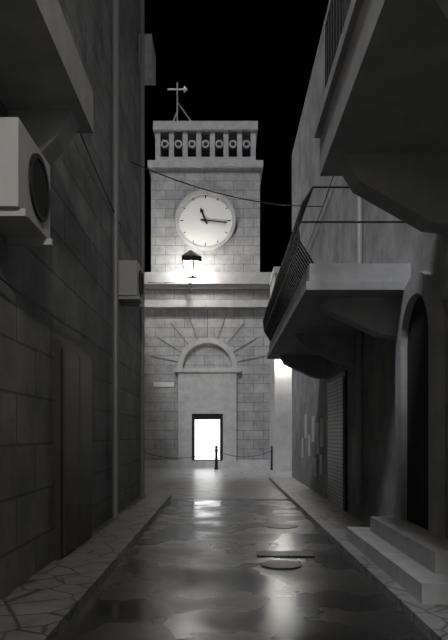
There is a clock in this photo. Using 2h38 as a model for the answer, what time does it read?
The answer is 11h16
